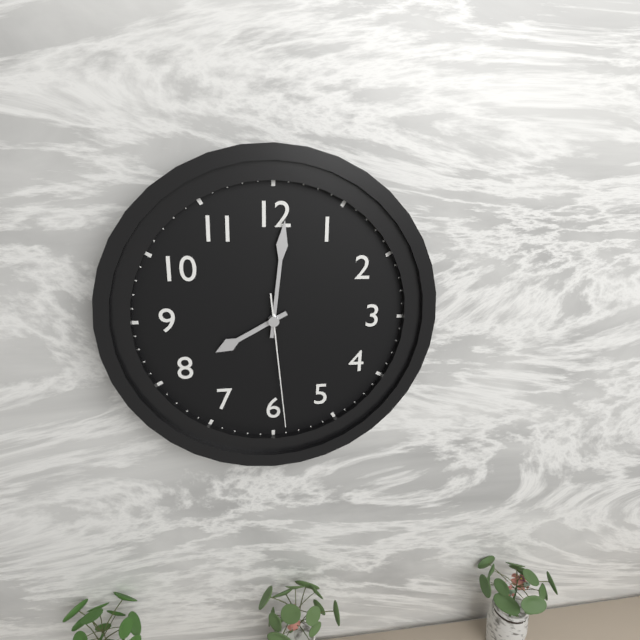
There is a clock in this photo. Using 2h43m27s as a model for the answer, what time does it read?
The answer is 8h01m29s
